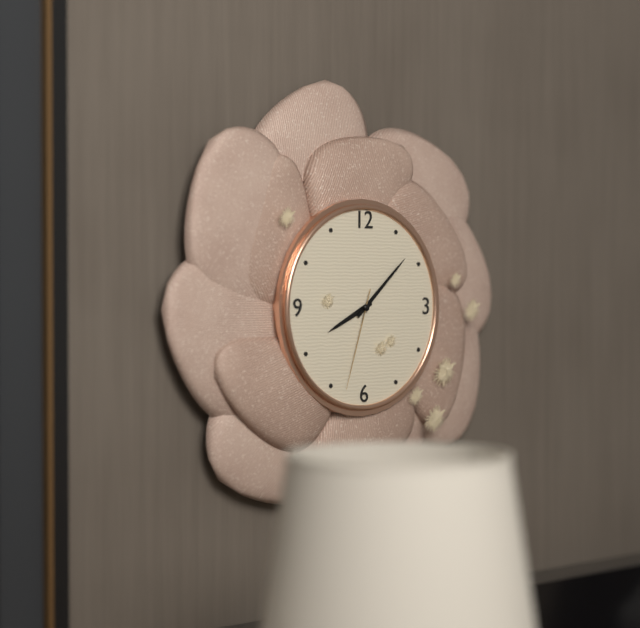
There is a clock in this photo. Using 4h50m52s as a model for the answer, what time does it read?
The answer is 8h08m33s
